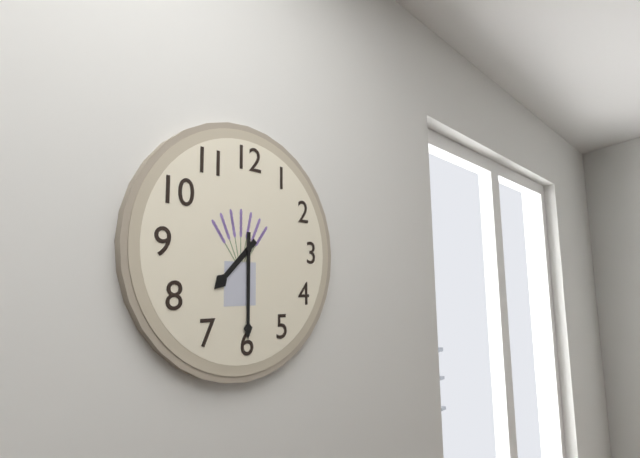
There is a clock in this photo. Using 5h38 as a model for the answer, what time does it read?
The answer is 7h30
